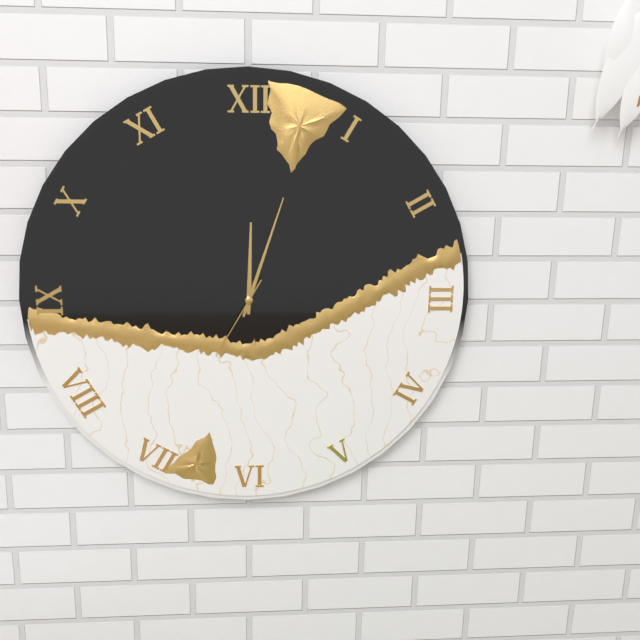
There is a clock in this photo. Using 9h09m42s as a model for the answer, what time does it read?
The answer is 12h03m35s
